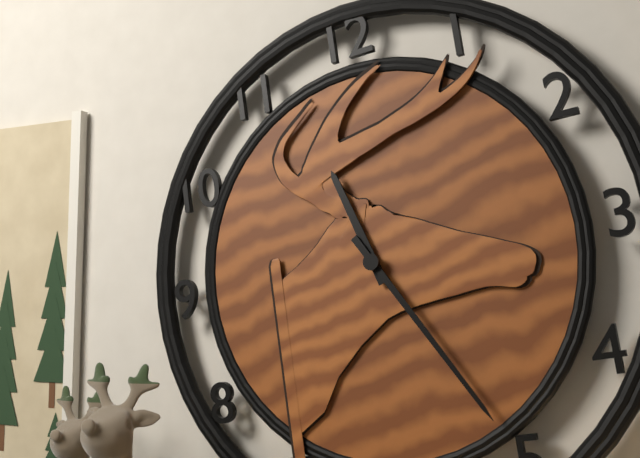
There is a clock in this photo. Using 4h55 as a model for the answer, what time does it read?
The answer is 11h25
